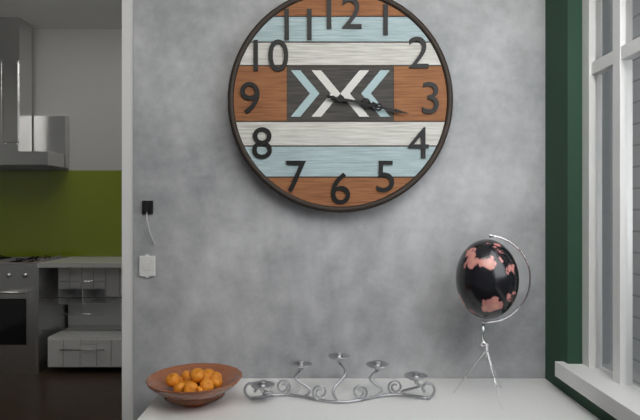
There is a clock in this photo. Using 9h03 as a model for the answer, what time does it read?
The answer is 3h17
